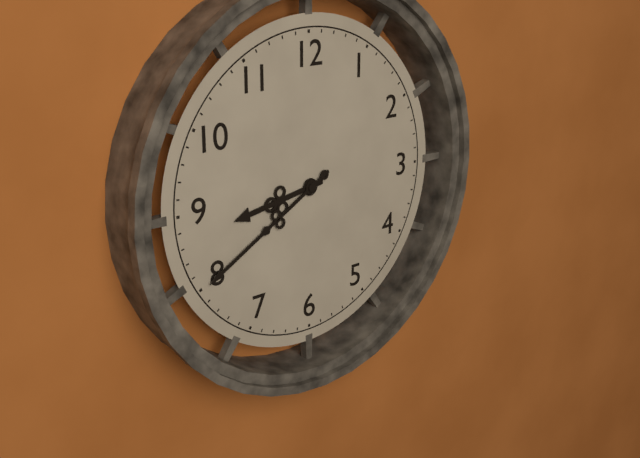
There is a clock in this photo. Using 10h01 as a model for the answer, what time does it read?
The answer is 8h40
